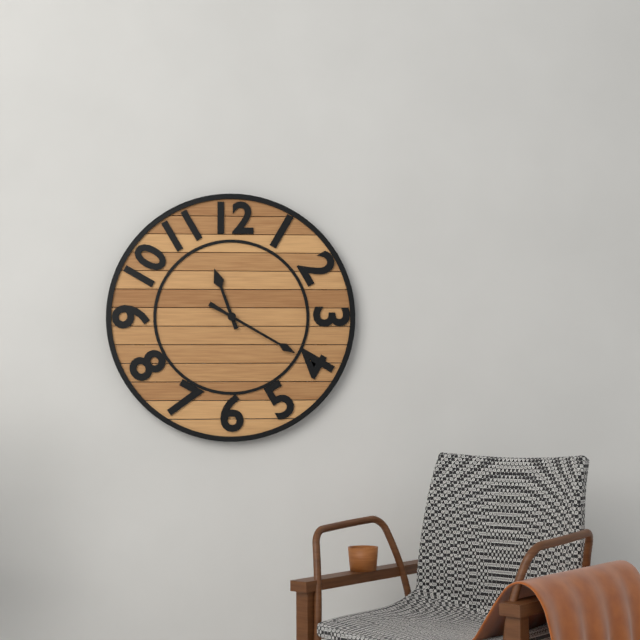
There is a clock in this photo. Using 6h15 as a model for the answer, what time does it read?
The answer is 11h20
